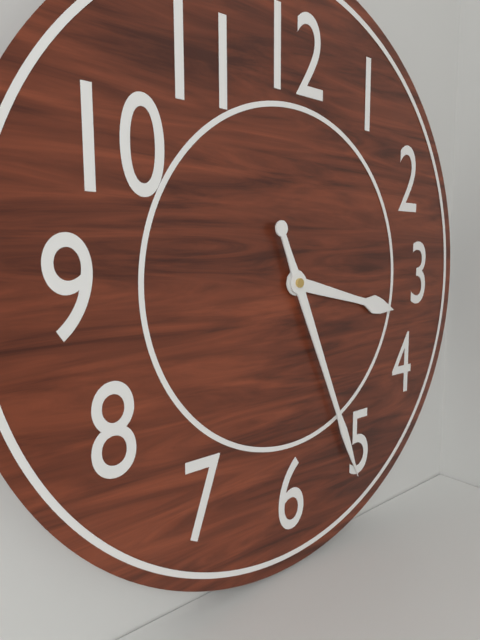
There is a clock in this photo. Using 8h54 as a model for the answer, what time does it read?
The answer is 3h26
